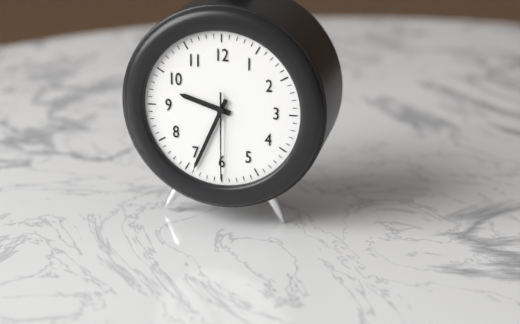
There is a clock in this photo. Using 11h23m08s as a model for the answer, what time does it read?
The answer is 9h34m30s
